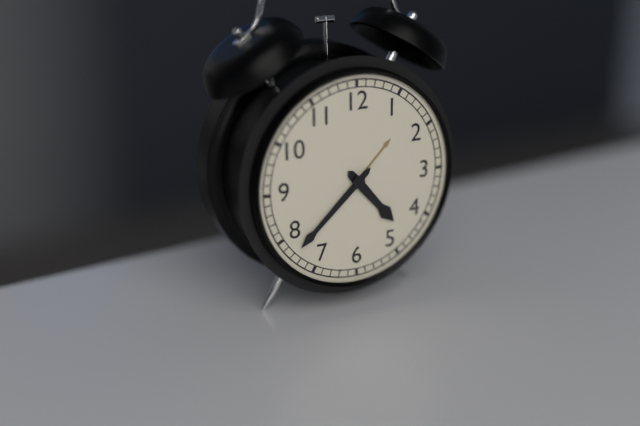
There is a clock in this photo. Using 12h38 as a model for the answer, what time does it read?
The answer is 4h38
